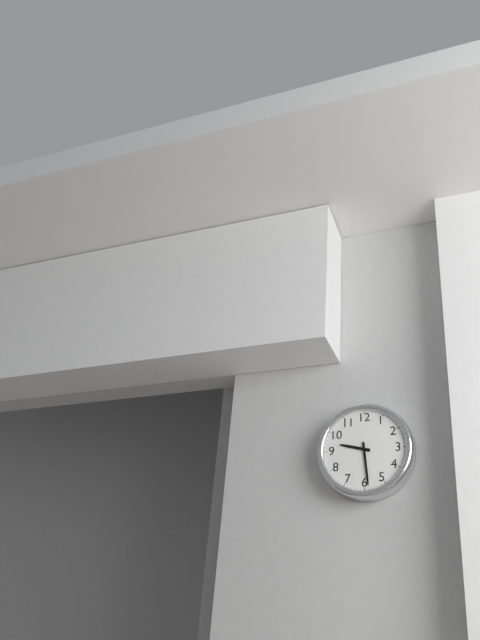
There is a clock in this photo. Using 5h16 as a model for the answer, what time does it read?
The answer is 9h29
